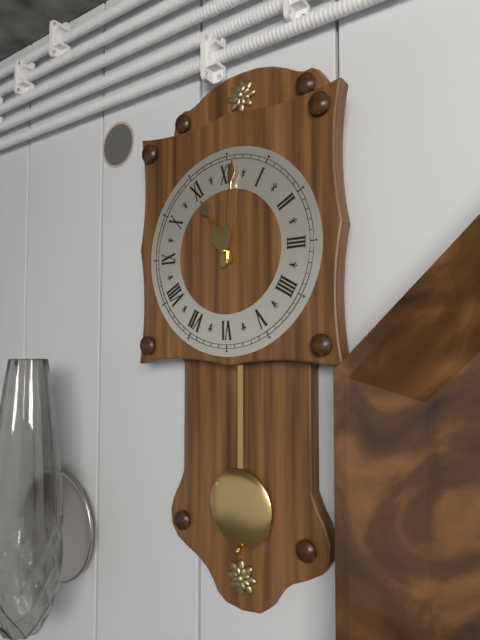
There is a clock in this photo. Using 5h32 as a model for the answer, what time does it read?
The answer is 11h01
